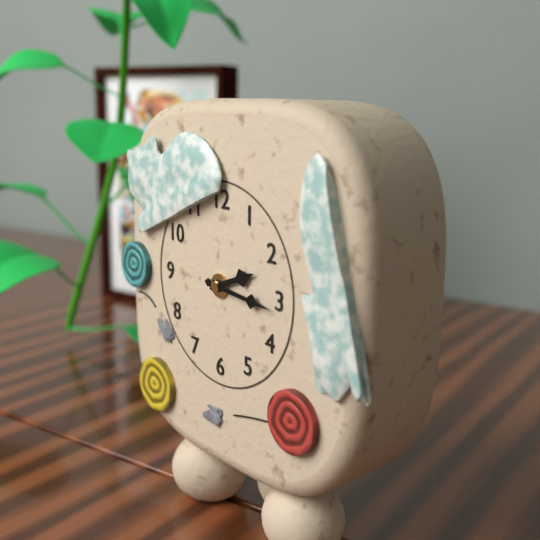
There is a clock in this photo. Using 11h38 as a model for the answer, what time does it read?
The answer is 2h16
